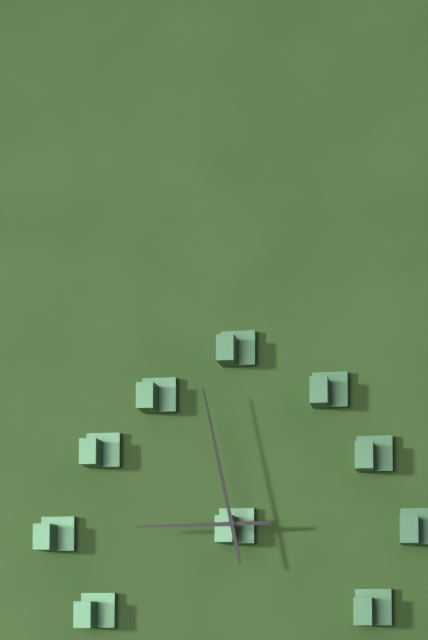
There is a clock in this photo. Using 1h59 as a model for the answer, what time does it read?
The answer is 8h58
